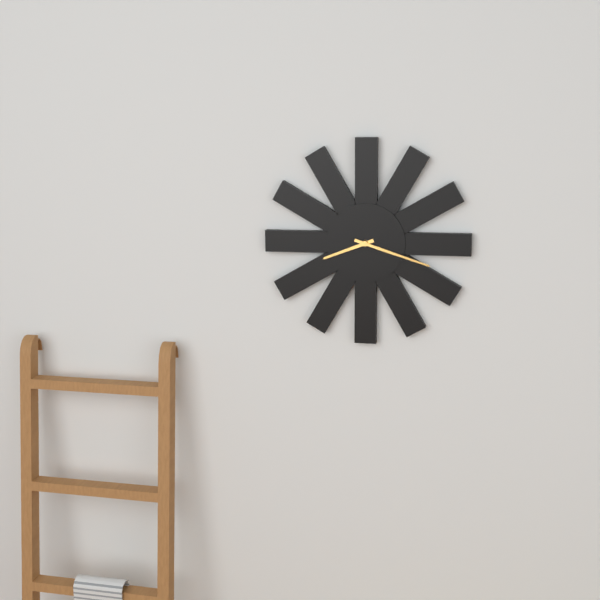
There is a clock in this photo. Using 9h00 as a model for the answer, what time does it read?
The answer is 8h18
